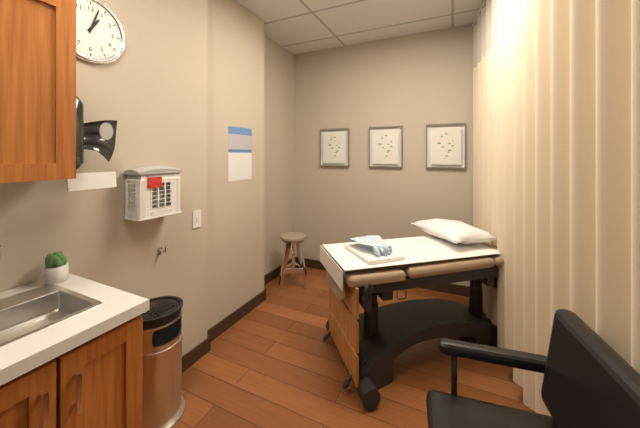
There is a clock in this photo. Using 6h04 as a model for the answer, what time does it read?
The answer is 1h03
